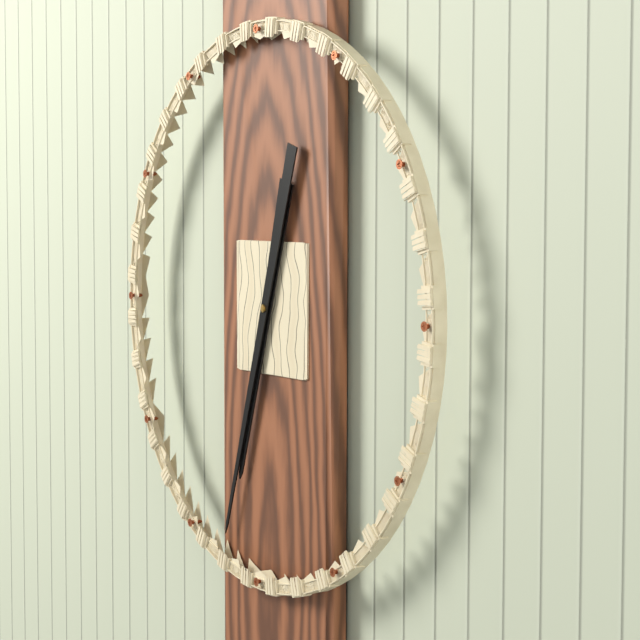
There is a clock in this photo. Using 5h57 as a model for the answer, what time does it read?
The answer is 6h33
